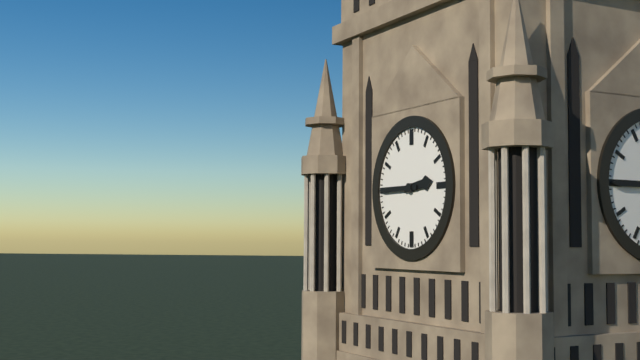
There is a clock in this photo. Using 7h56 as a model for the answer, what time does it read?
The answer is 2h45
